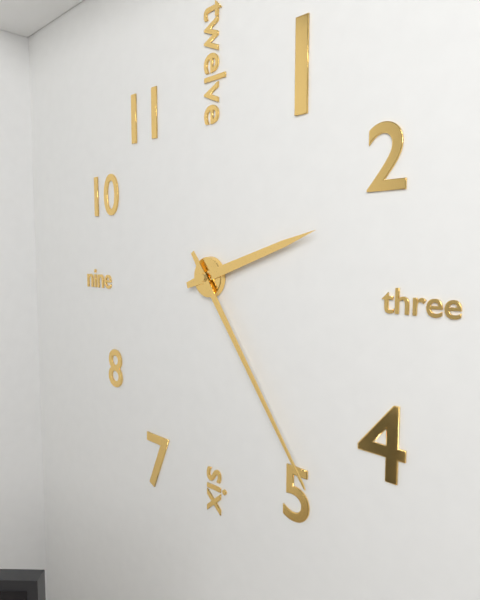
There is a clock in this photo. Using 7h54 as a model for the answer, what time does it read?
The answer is 2h24
